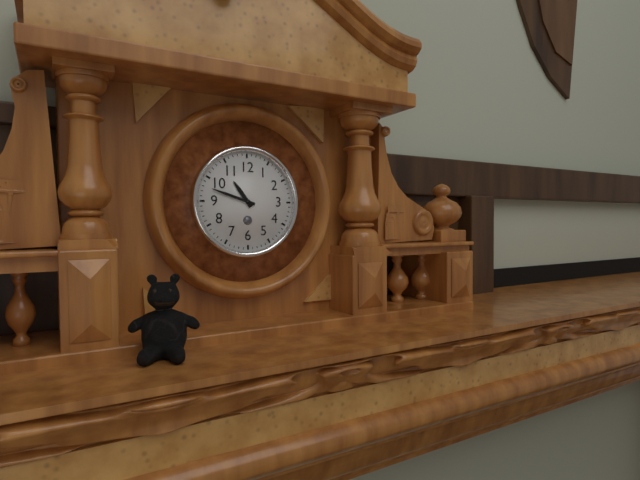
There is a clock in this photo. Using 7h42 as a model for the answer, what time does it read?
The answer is 10h48
